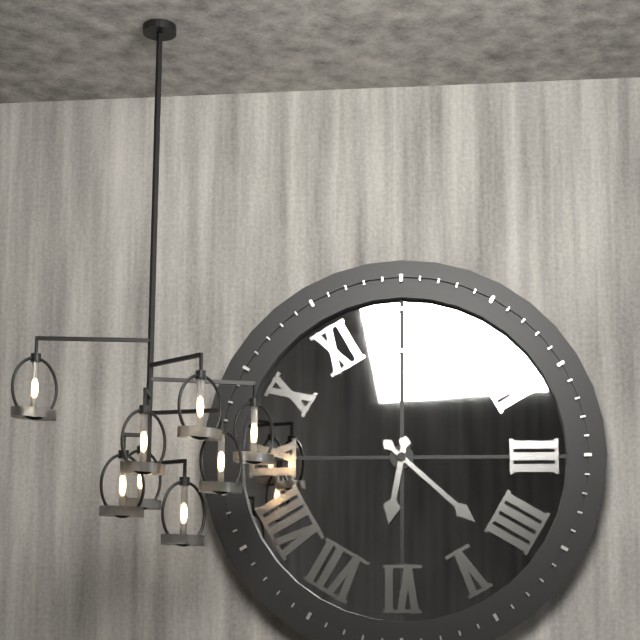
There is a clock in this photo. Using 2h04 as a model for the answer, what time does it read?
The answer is 6h22
